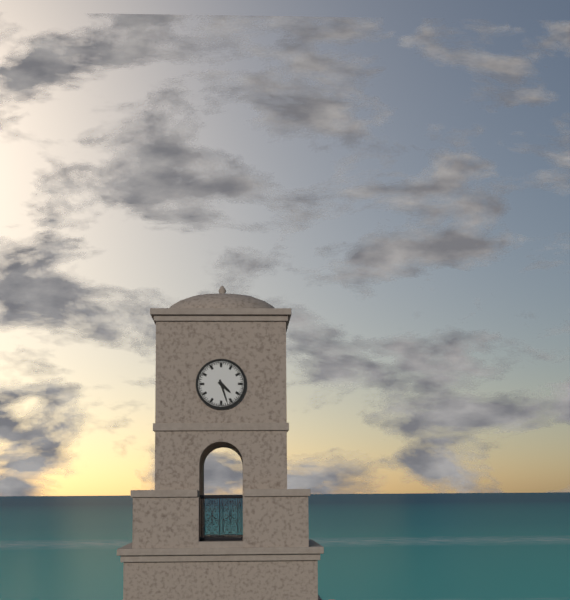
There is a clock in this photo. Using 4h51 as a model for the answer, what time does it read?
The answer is 4h27
